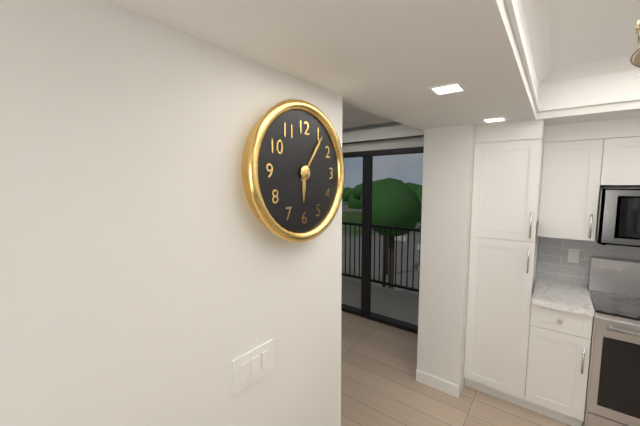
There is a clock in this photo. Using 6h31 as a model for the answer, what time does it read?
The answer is 6h06
